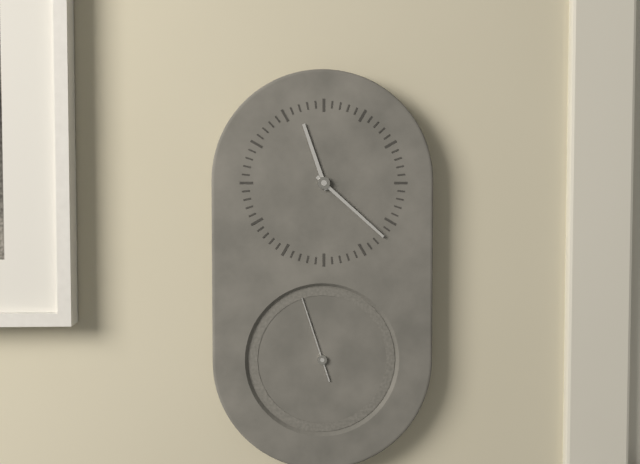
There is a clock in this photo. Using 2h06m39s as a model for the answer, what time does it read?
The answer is 11h22m57s
